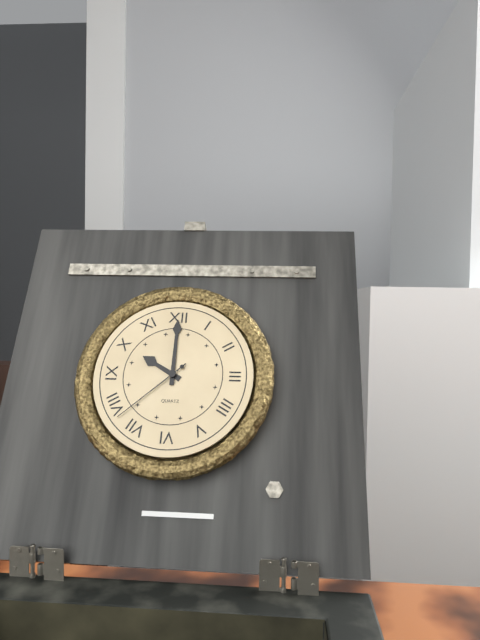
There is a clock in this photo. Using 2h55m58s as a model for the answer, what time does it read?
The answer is 10h00m38s
